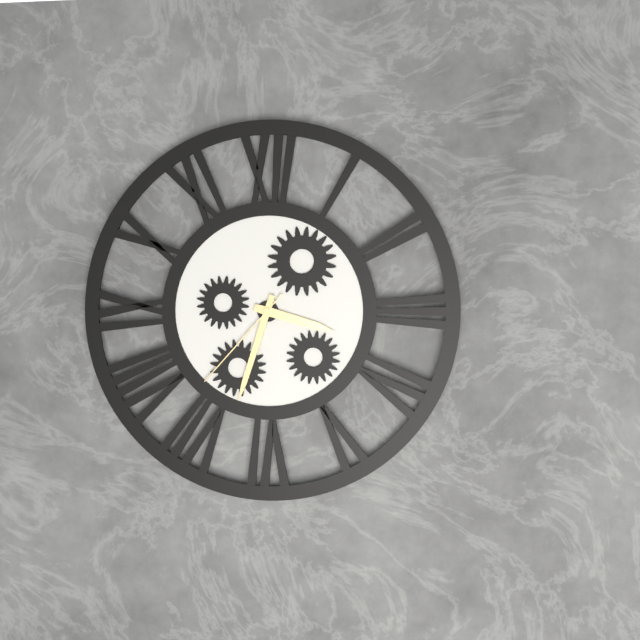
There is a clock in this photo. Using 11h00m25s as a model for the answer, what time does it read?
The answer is 3h33m37s
